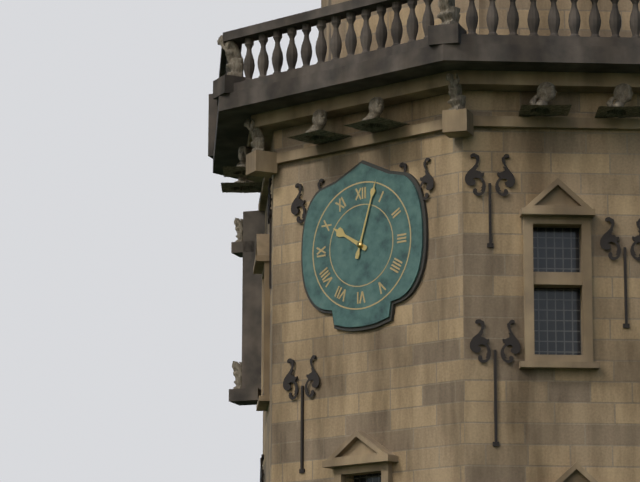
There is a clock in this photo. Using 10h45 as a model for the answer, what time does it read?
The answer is 10h03
